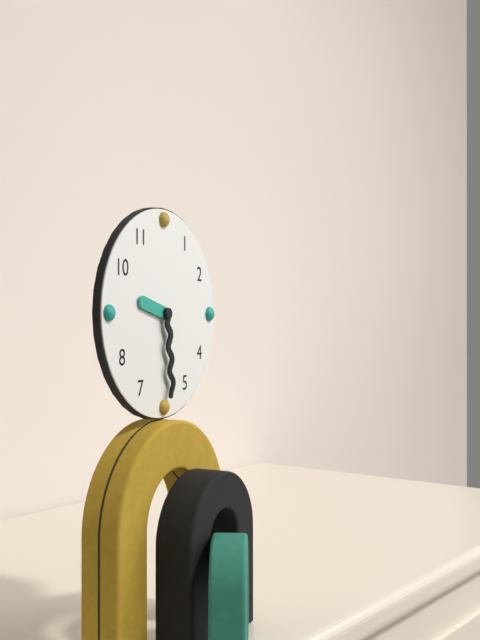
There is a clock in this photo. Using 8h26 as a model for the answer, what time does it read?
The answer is 9h29
